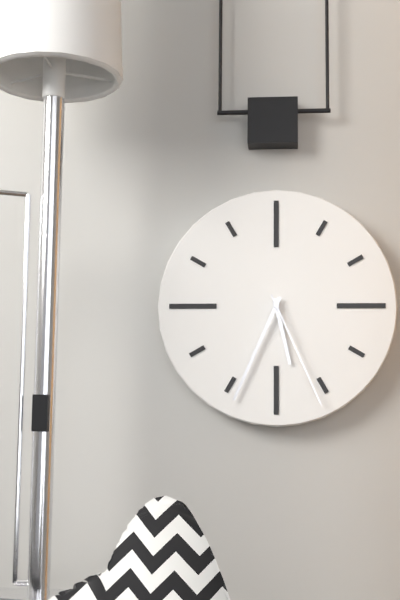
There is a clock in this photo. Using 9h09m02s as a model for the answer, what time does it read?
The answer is 5h34m26s
